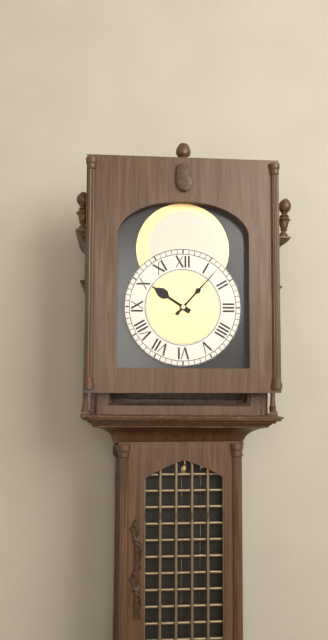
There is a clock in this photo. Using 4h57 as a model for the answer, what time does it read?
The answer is 10h07
